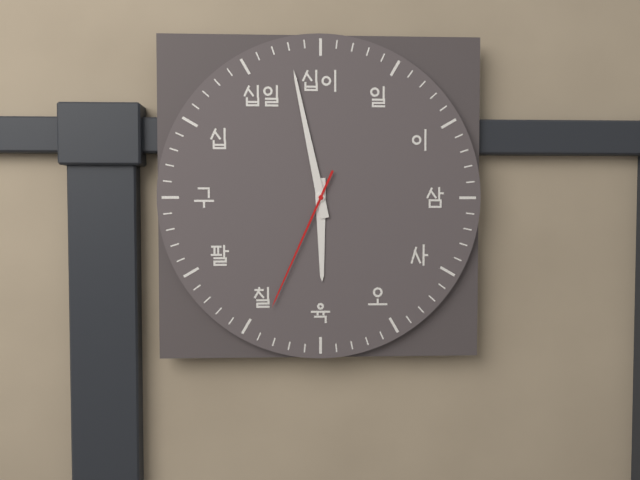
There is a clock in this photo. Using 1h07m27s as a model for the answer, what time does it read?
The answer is 5h58m34s
